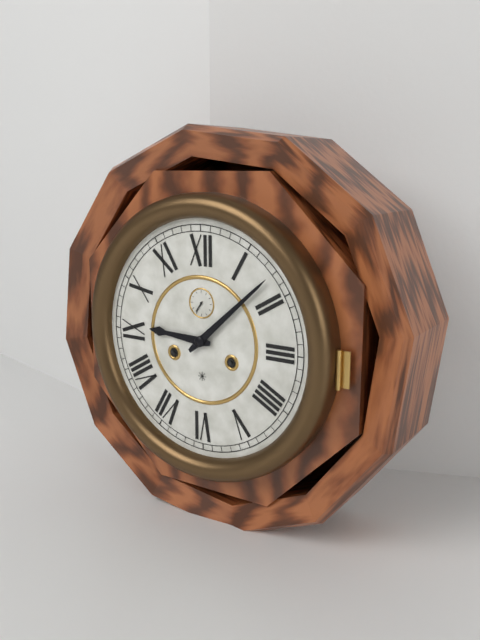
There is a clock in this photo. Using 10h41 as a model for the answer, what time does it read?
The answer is 9h08
